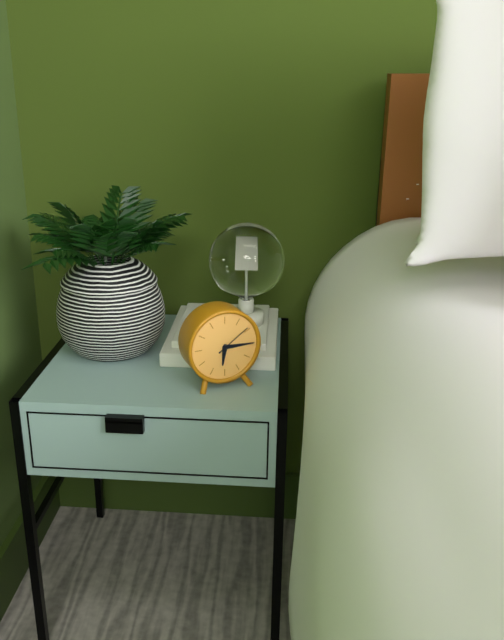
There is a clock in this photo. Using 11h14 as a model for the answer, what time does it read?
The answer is 6h15
